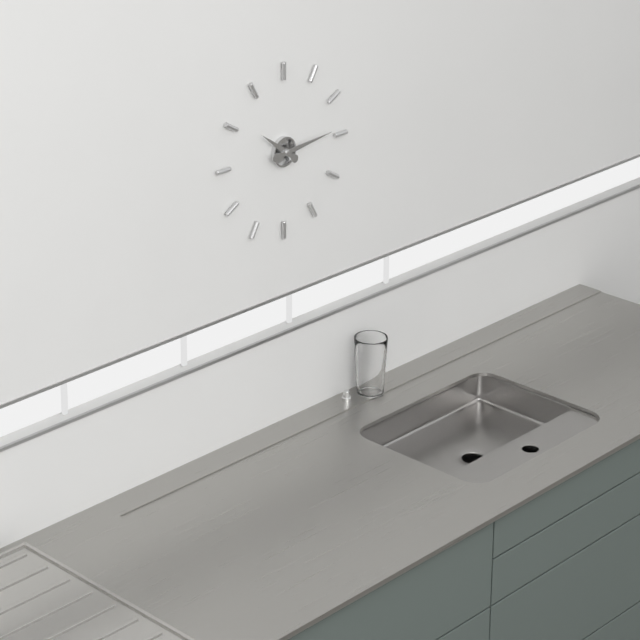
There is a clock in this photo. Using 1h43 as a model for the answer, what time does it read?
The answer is 10h14
